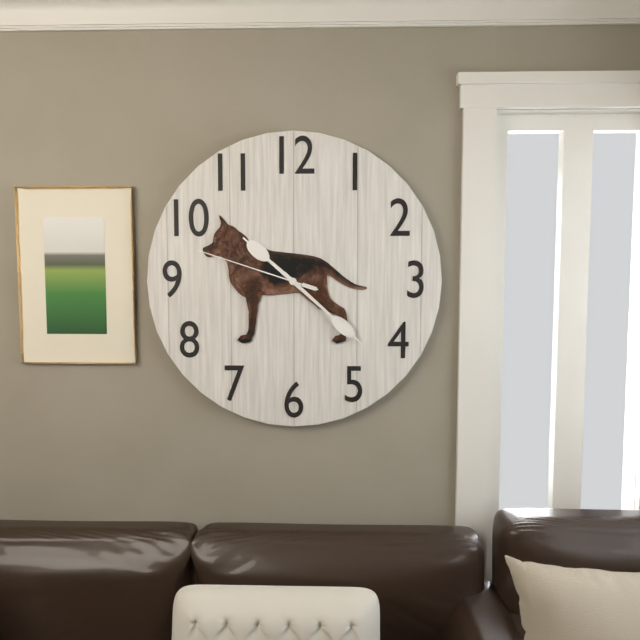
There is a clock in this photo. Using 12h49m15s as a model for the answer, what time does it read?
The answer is 10h22m48s
